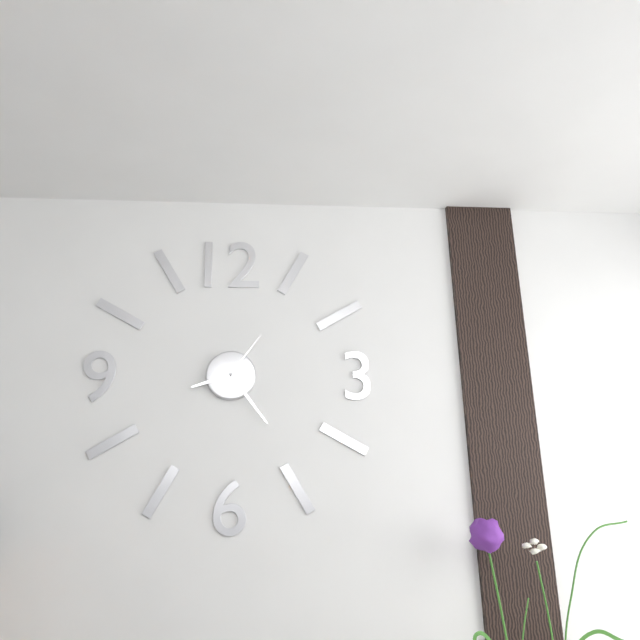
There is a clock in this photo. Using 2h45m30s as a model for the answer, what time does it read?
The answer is 8h24m06s
